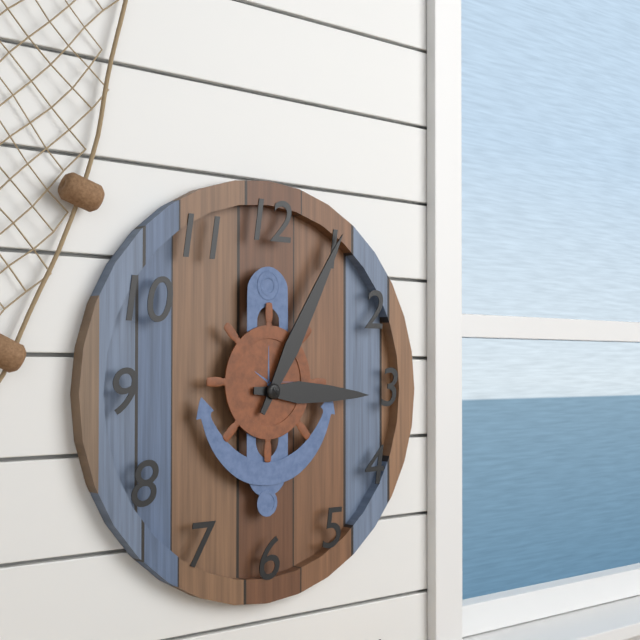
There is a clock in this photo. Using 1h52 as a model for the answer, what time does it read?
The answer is 3h05
